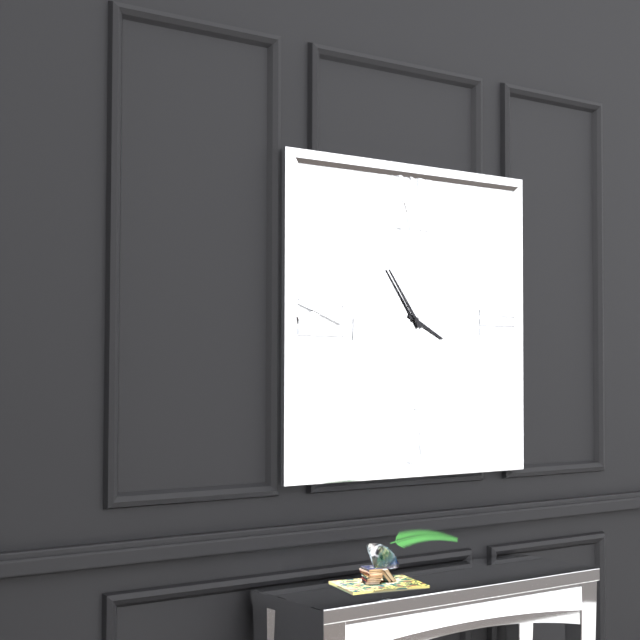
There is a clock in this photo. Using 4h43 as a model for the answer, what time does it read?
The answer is 3h54
